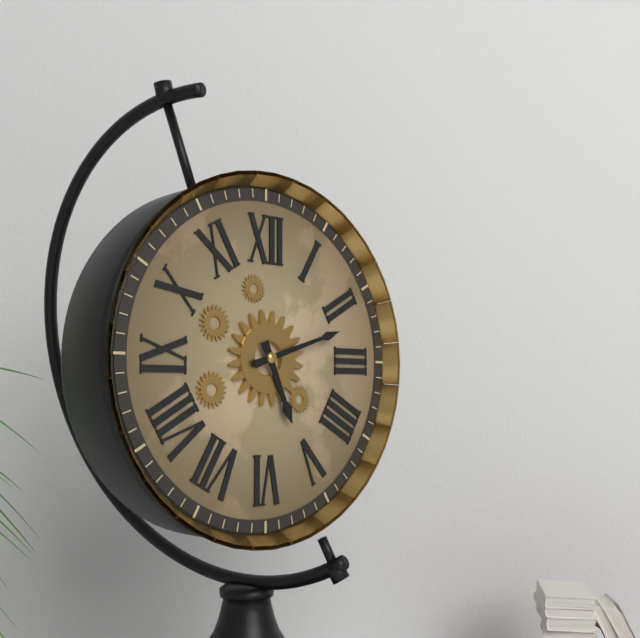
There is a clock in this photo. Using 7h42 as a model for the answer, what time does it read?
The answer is 5h12
